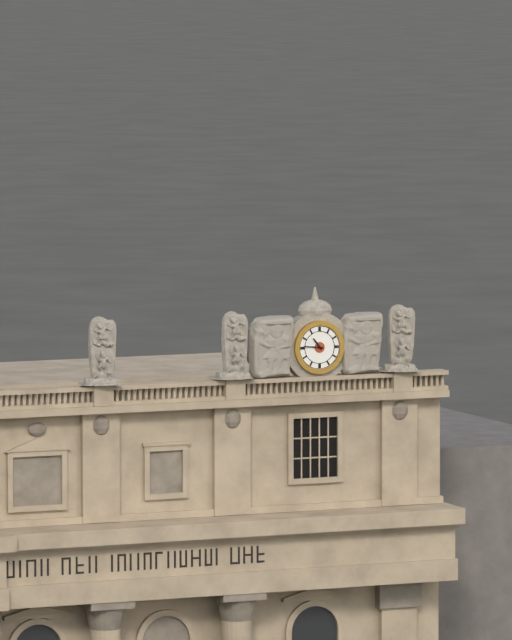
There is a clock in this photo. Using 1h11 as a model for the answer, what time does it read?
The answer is 10h46
